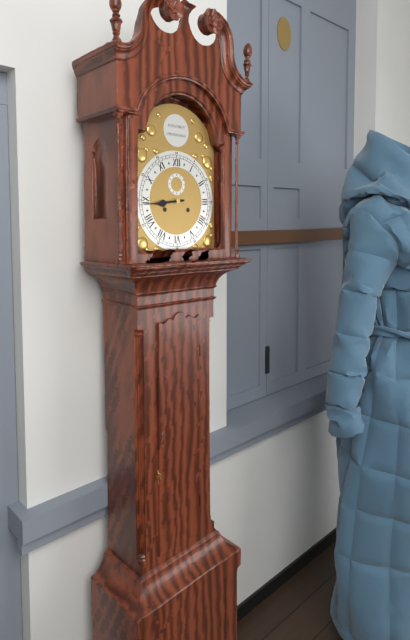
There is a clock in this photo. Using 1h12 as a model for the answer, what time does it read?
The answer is 8h44
